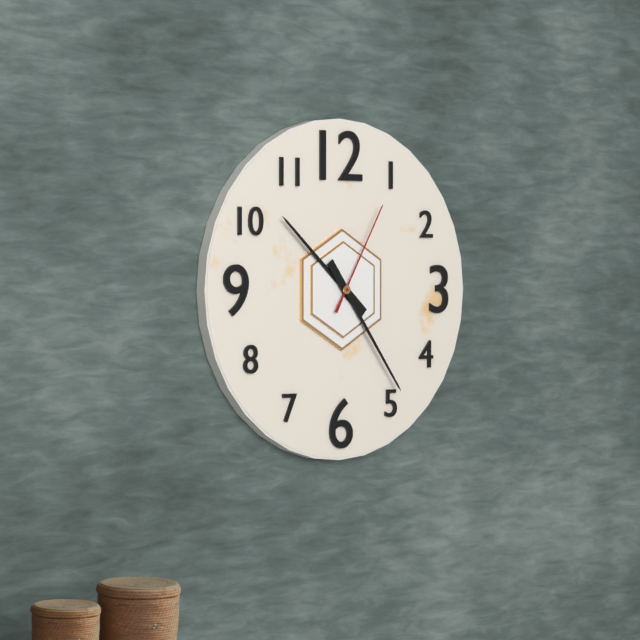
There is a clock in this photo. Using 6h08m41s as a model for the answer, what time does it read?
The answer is 10h24m05s
